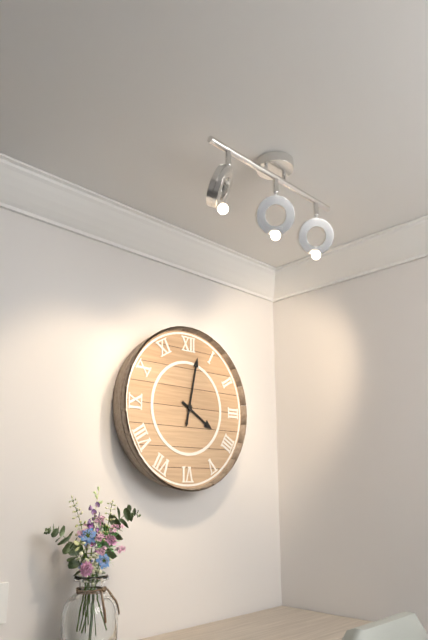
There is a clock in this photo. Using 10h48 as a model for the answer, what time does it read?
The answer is 4h02
